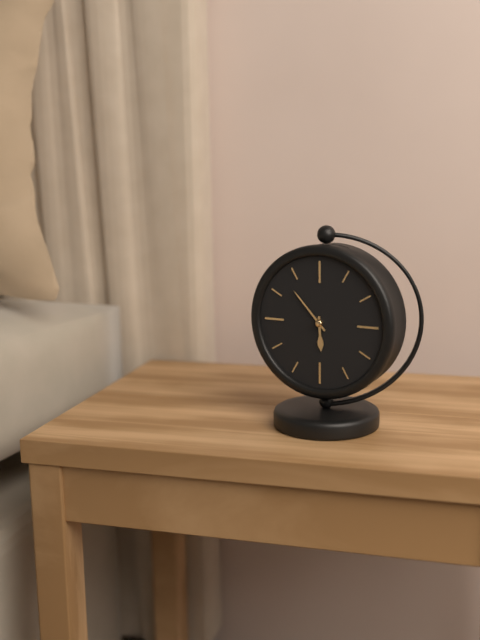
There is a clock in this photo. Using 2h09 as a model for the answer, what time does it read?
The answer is 5h53
